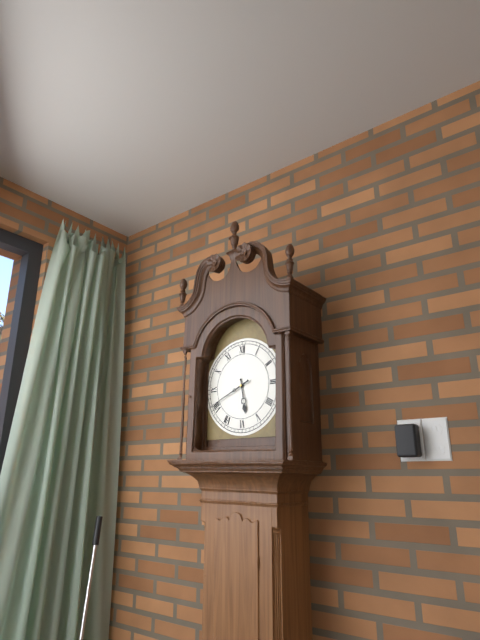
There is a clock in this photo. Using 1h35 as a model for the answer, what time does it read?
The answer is 5h41
